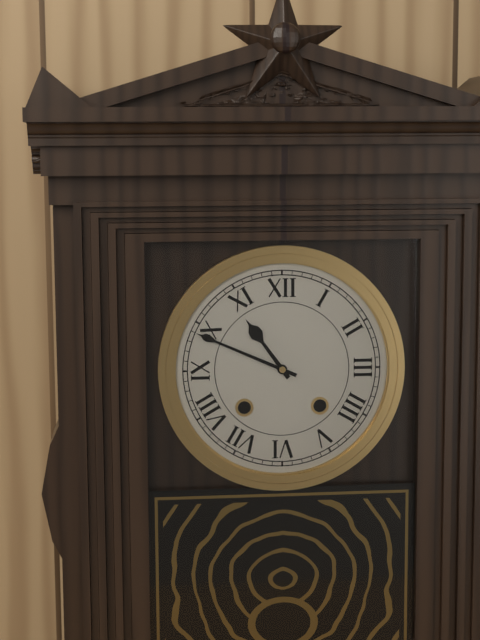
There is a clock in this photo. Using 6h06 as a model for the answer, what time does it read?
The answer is 10h49
